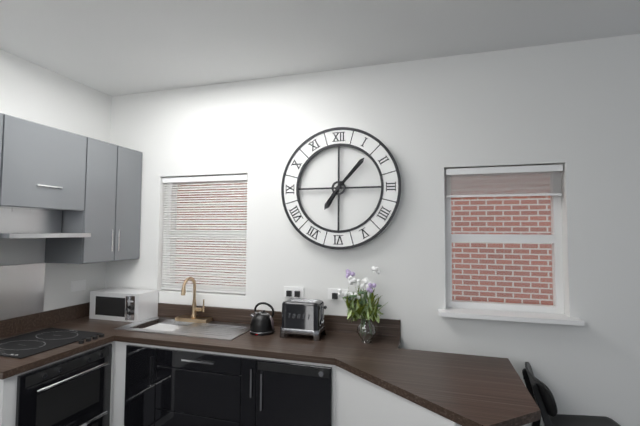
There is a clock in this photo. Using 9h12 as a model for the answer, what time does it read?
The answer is 7h07
